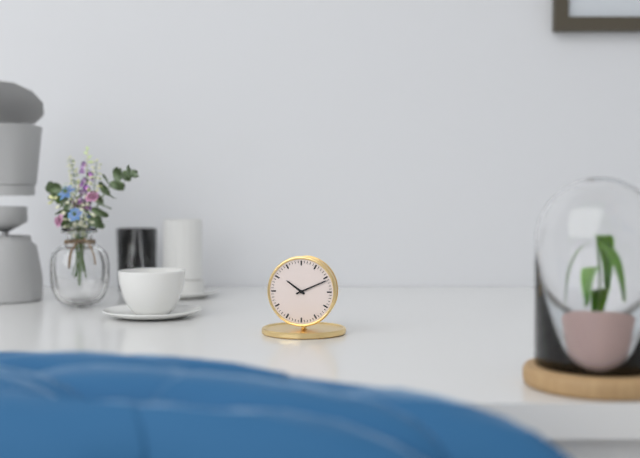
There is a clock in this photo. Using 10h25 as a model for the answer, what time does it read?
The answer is 10h11
